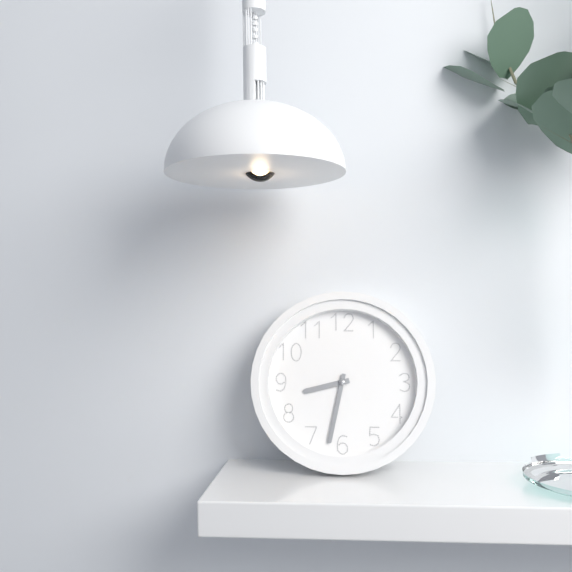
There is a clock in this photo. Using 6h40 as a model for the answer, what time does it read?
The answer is 8h32
